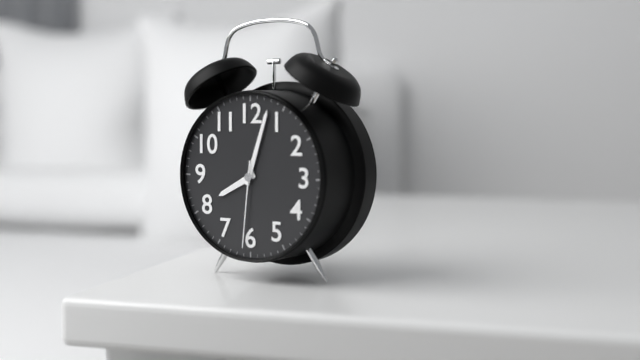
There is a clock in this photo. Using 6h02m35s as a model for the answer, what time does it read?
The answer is 8h03m31s
